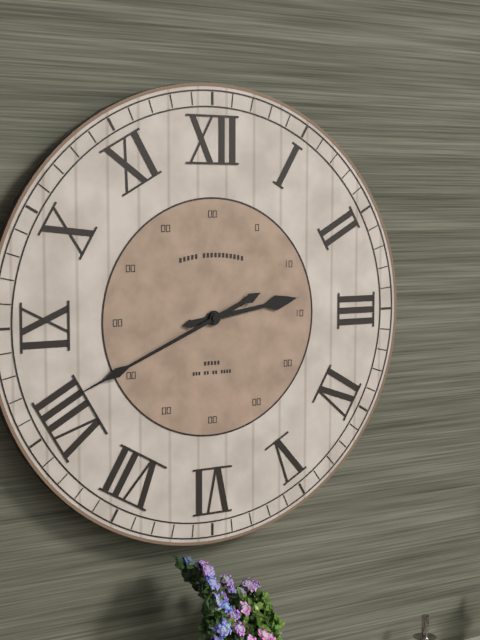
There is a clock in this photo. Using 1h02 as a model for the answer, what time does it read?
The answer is 2h41
